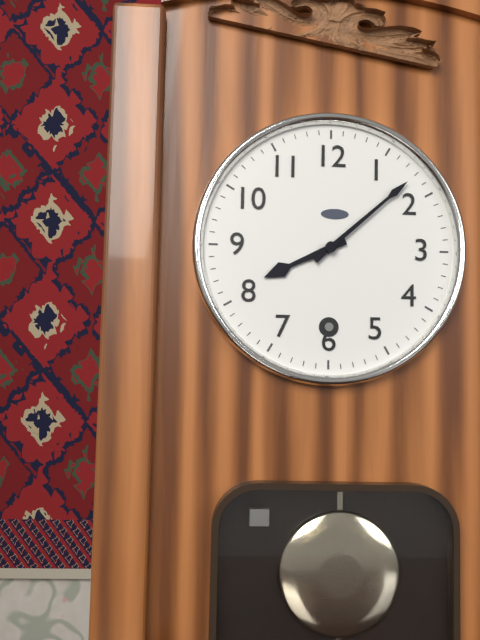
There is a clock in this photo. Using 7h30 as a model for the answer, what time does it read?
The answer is 8h08
